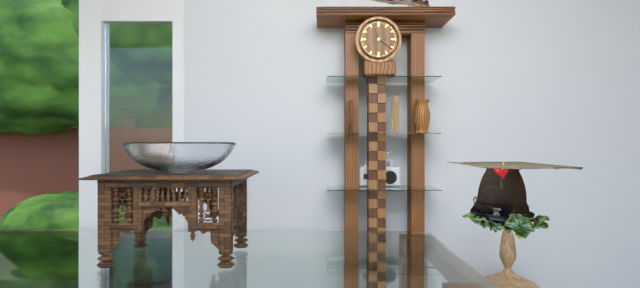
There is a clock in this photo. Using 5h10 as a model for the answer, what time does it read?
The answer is 11h21
